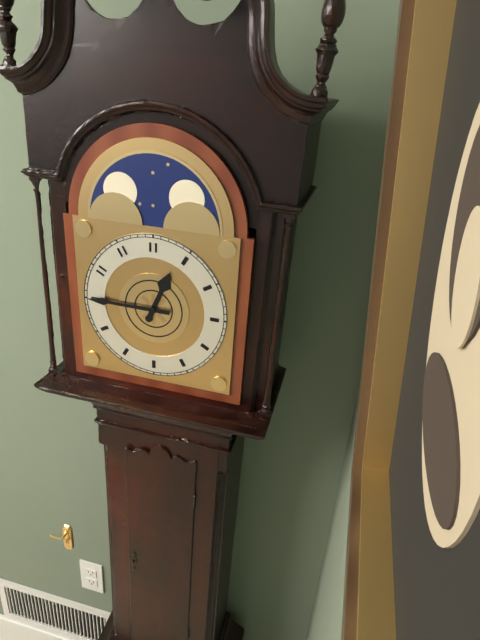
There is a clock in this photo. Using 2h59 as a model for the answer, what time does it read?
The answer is 12h45
